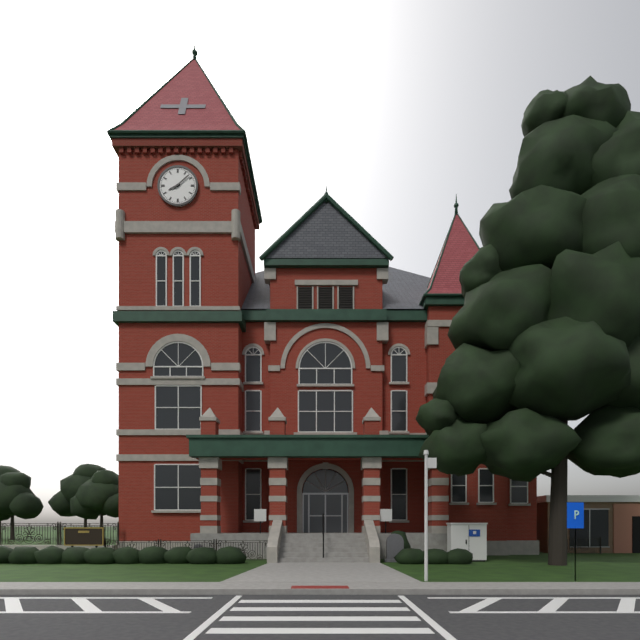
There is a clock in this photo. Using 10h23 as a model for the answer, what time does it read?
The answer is 8h08
